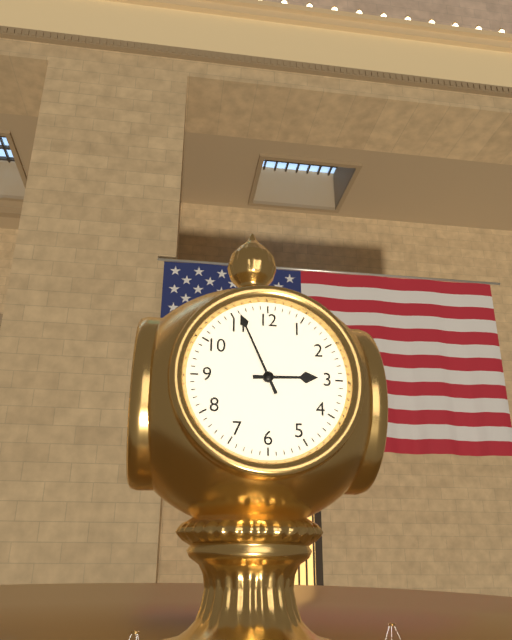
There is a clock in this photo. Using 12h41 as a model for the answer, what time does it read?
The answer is 2h56
